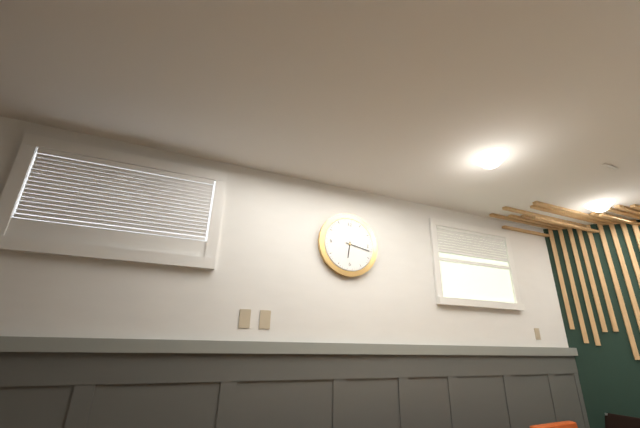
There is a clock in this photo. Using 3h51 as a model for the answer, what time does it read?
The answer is 6h17
